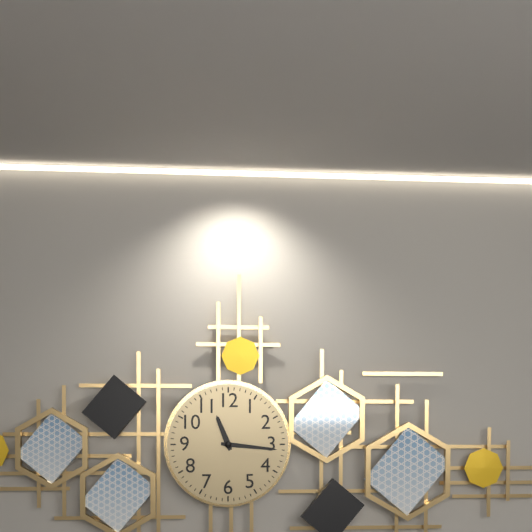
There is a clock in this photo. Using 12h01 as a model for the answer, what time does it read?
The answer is 11h16
